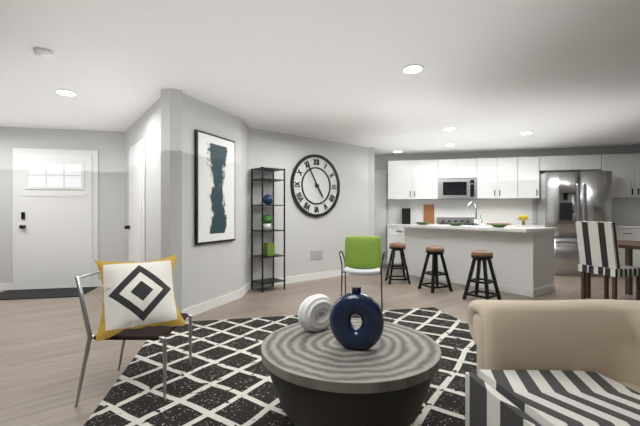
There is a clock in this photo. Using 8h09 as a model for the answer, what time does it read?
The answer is 4h55
